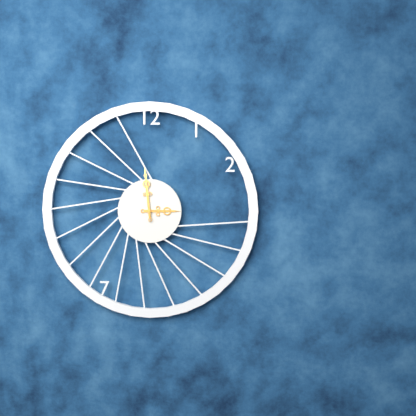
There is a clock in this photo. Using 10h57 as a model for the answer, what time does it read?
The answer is 2h59
